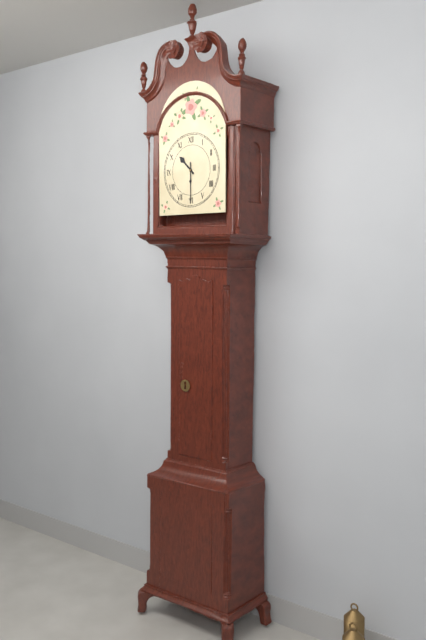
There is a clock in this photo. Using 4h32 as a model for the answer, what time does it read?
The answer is 10h30
